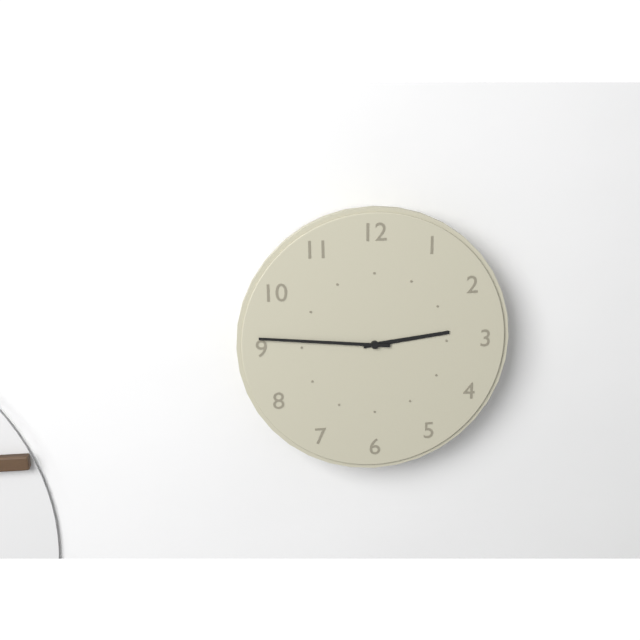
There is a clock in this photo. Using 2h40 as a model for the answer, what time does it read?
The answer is 2h46
